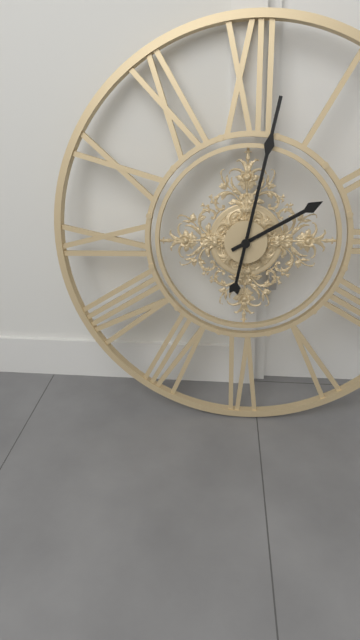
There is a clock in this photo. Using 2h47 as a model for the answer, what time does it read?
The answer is 2h02
